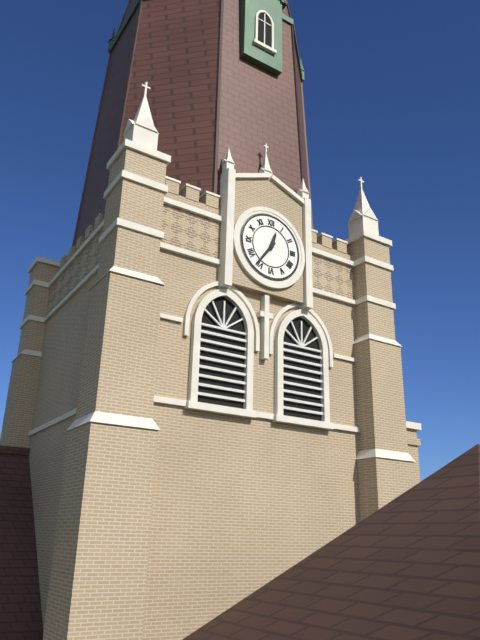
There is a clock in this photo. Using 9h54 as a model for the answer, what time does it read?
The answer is 12h36
